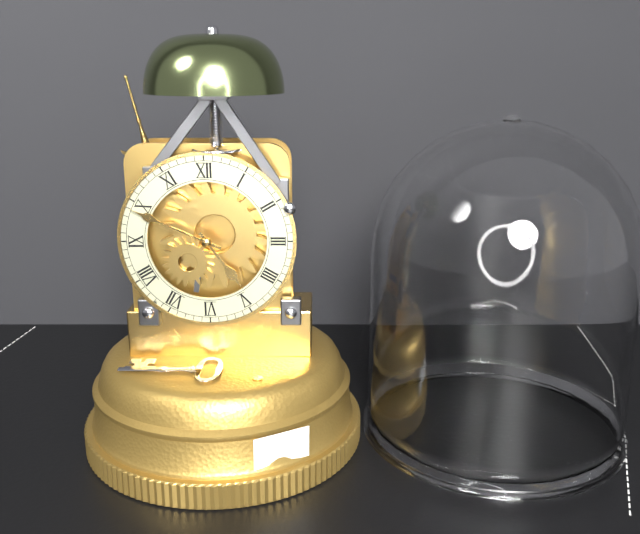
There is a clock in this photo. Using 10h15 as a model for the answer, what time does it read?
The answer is 4h49
